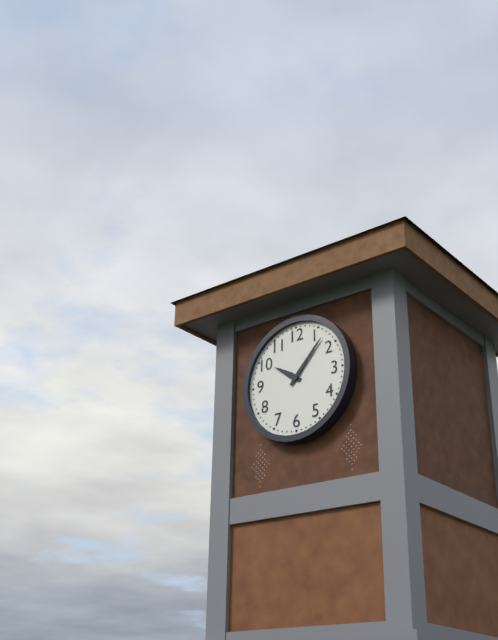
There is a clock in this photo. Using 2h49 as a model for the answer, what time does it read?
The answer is 10h07
